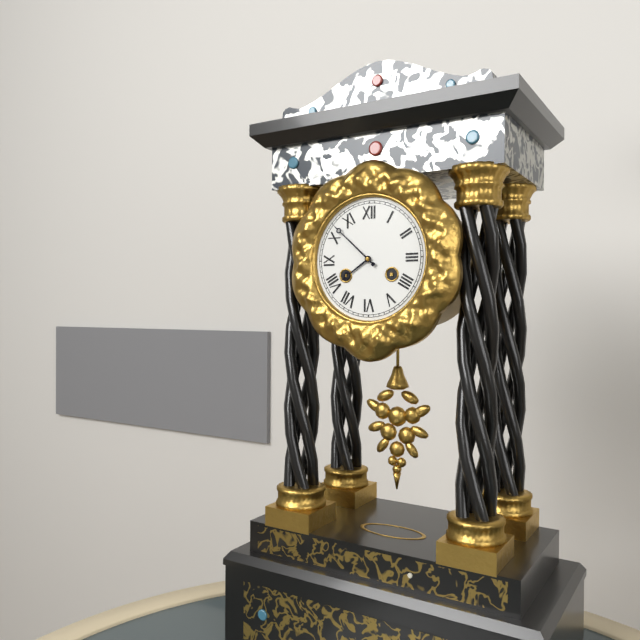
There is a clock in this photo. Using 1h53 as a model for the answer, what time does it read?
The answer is 7h52
